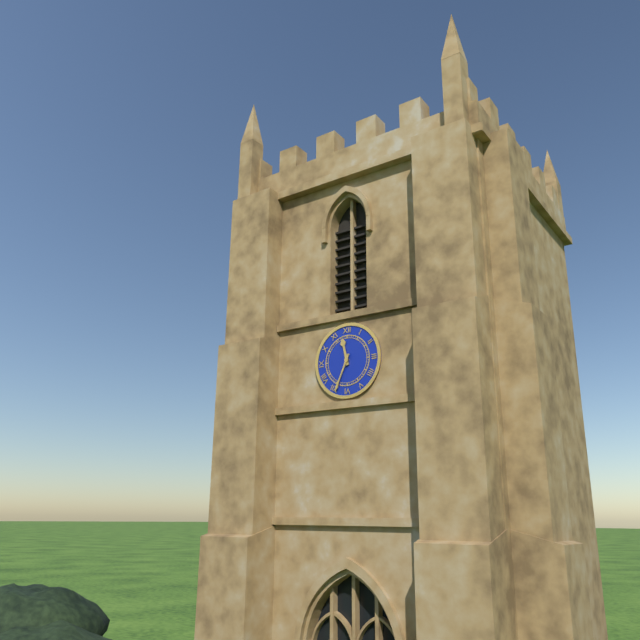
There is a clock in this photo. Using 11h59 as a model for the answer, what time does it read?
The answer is 11h34
